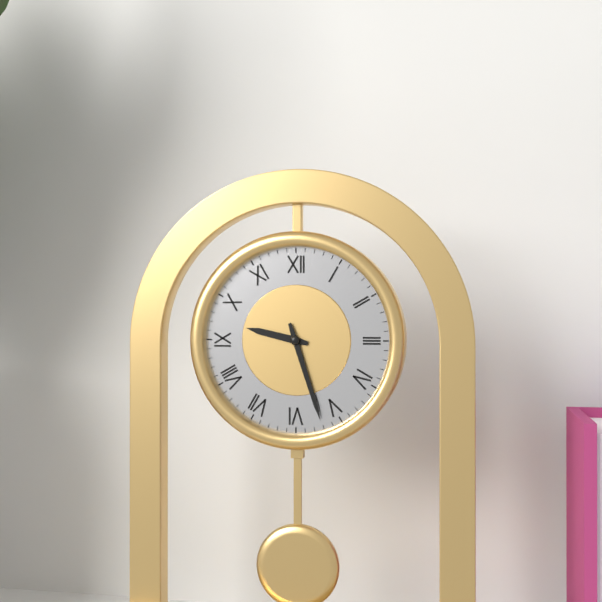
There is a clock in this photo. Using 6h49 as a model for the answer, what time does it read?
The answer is 9h27
